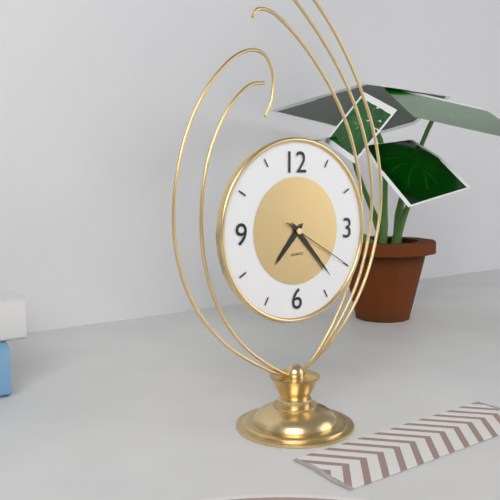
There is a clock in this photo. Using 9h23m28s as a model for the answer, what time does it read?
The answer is 7h23m20s
